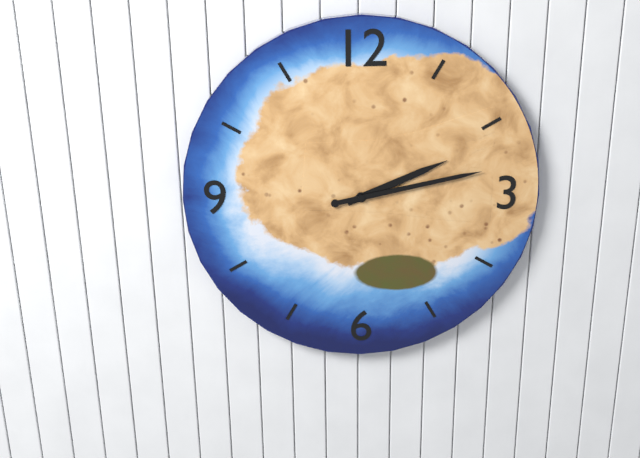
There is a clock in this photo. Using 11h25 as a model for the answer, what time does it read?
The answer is 2h13
